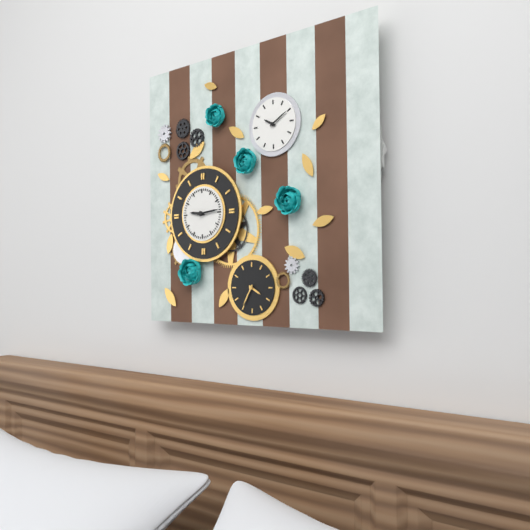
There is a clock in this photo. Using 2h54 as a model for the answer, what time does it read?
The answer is 9h14
